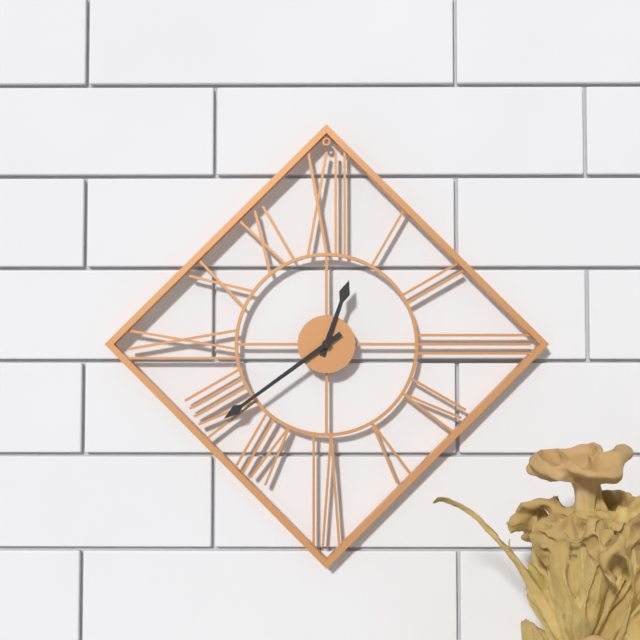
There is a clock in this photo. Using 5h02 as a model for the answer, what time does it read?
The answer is 12h39
